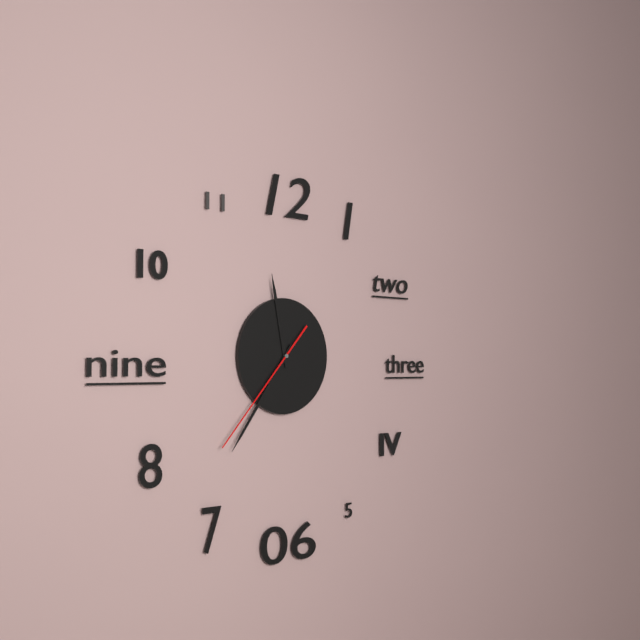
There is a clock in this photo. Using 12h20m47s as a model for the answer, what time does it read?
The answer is 11h36m37s
